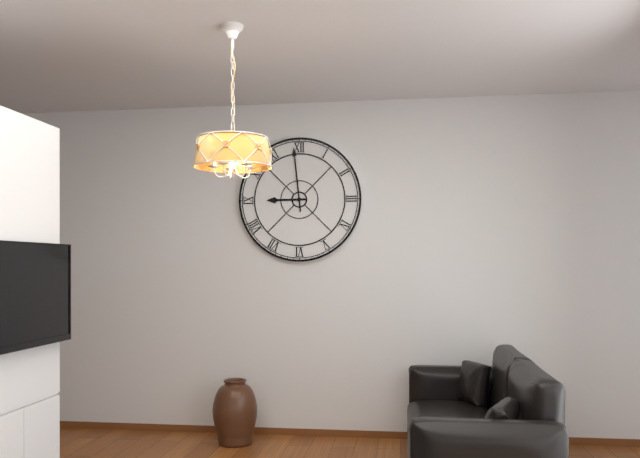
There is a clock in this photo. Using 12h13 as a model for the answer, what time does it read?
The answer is 8h59
